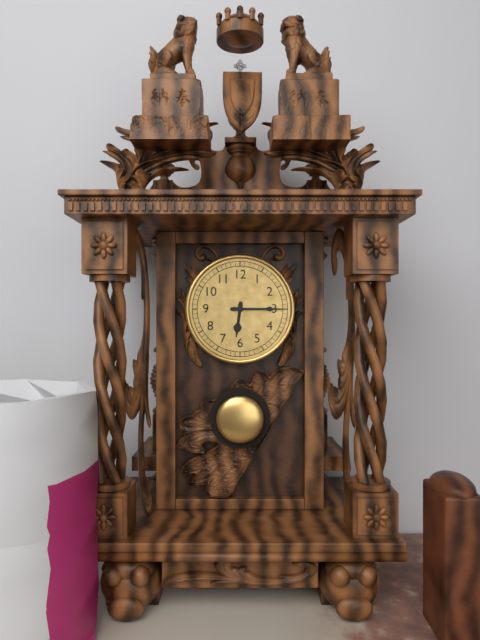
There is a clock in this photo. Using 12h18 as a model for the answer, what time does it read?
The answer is 6h15
